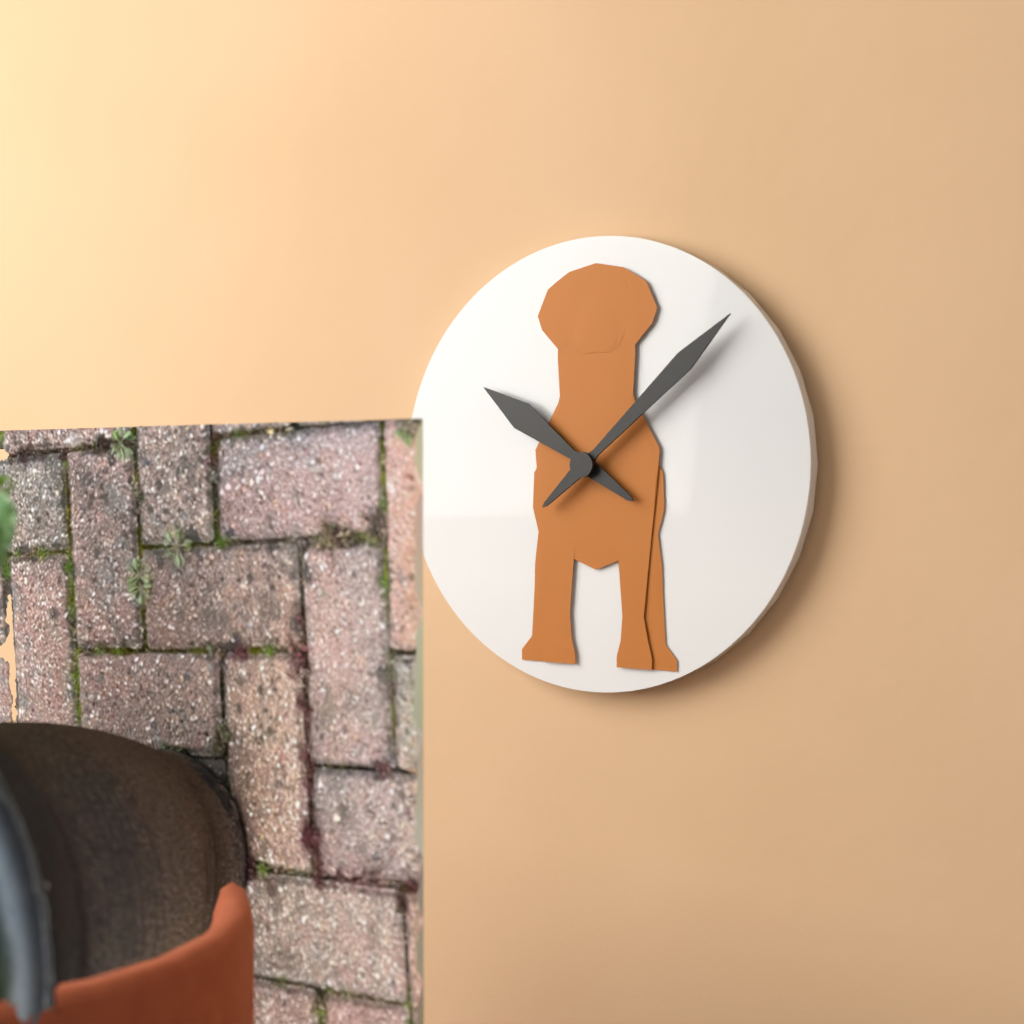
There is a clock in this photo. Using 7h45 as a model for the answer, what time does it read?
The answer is 10h08
